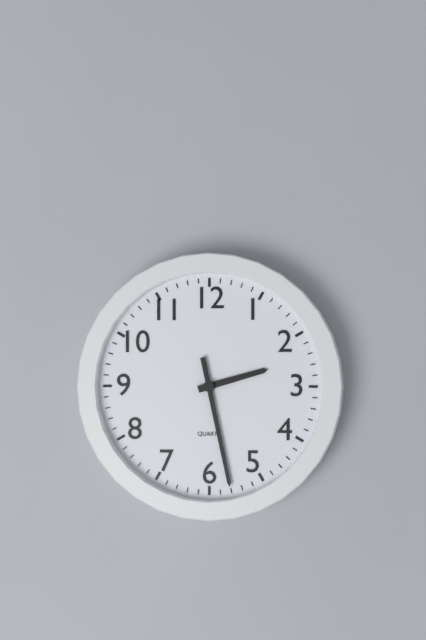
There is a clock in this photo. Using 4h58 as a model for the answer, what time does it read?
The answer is 2h28
